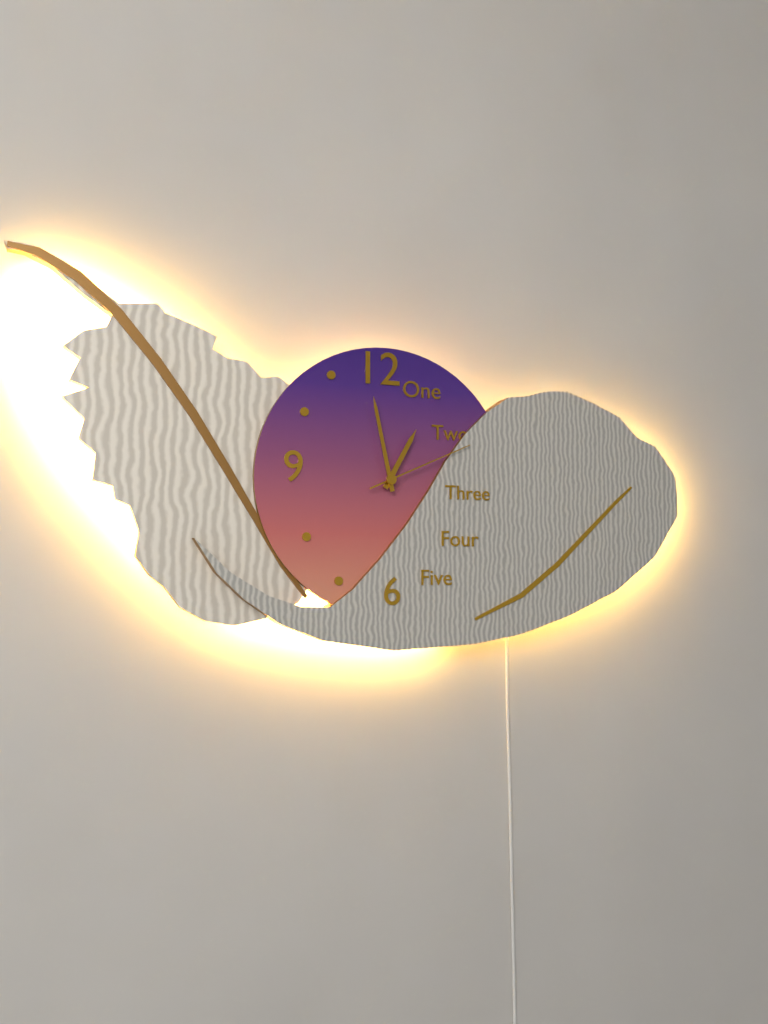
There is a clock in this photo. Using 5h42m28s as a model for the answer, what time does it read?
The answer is 12h58m11s
